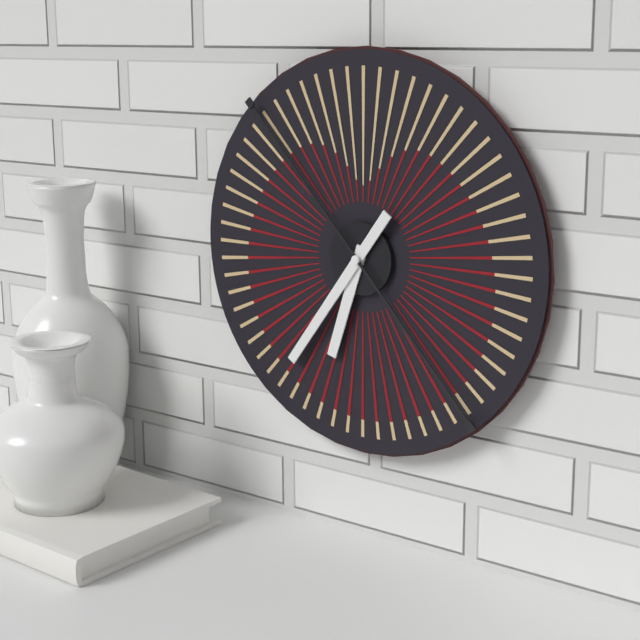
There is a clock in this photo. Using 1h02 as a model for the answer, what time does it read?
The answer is 6h36
